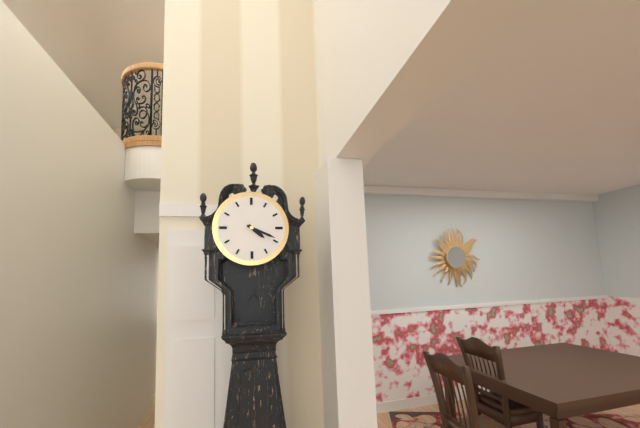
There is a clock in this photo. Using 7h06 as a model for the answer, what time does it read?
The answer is 4h19
